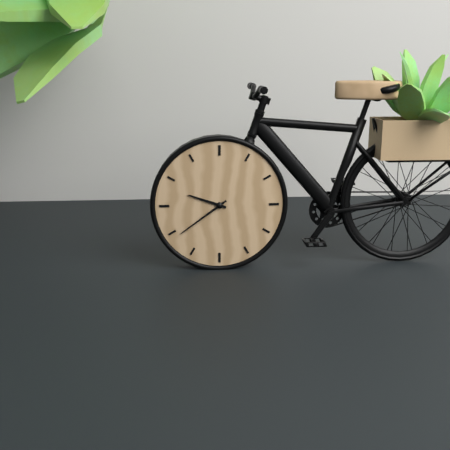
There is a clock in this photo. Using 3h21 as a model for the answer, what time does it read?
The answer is 9h39
